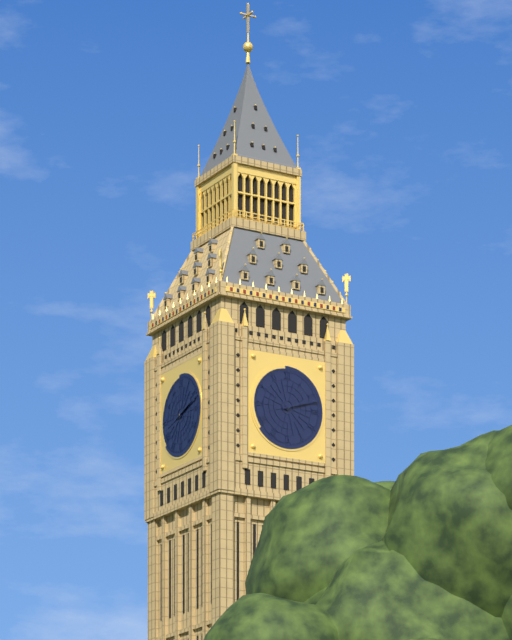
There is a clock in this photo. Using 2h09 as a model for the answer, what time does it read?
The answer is 2h12
